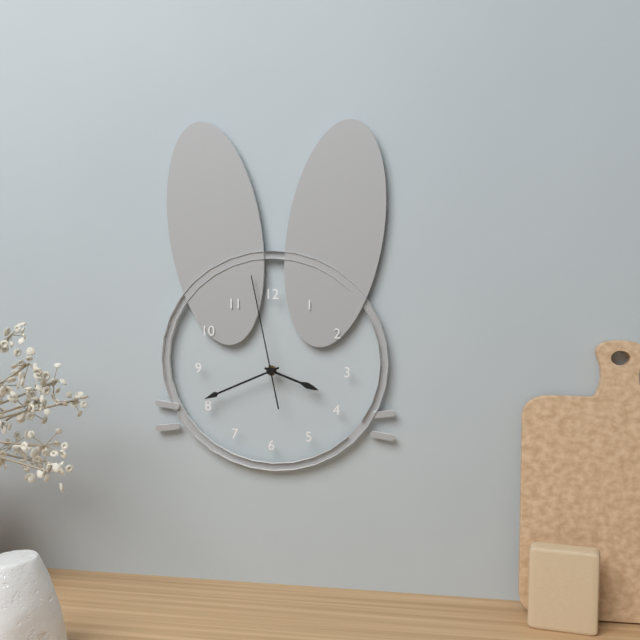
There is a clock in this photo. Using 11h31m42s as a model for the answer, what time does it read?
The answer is 3h41m58s
